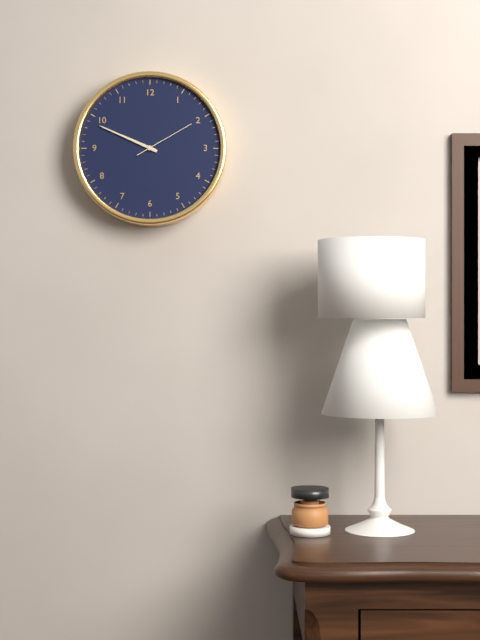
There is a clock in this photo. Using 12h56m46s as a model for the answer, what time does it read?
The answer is 9h49m10s
